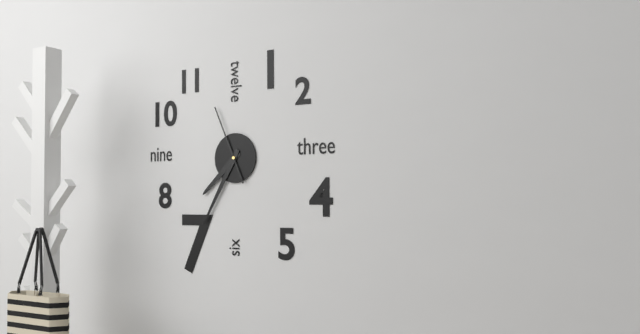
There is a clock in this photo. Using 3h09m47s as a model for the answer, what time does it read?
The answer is 7h35m56s
